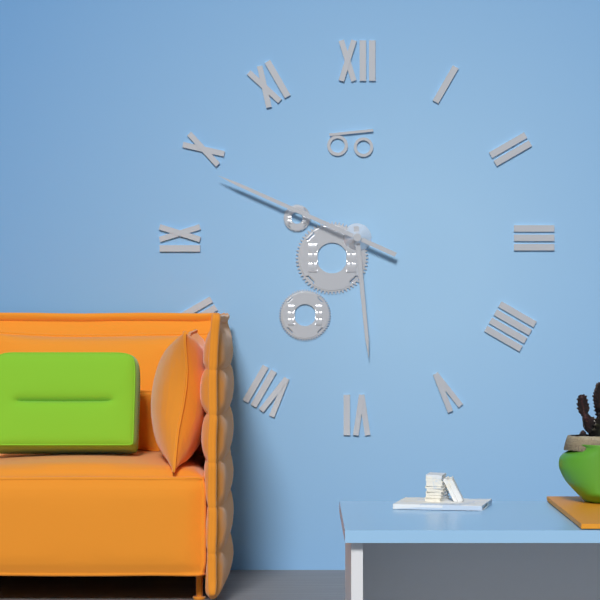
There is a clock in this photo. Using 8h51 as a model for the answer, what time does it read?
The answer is 5h49
